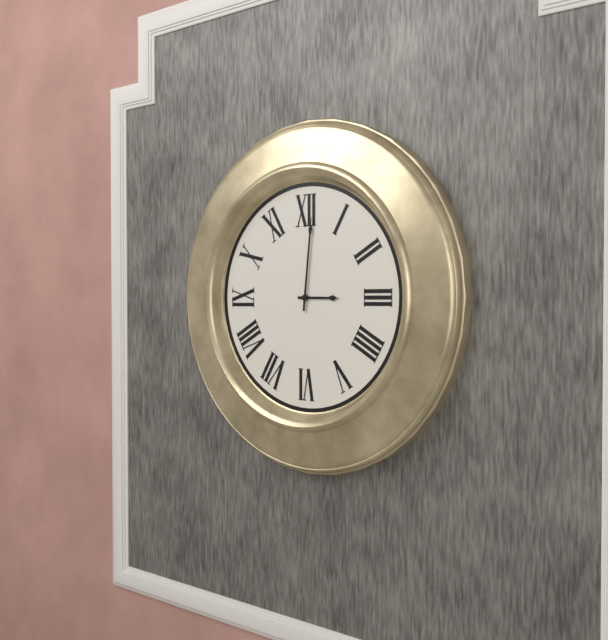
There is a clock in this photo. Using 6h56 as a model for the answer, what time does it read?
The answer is 3h01
